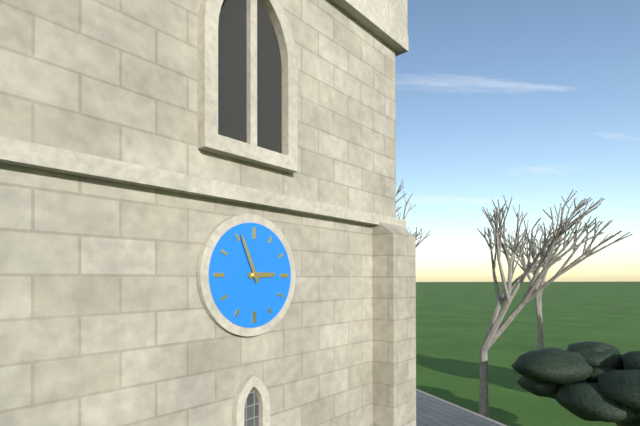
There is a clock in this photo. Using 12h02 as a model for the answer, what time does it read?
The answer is 2h56
